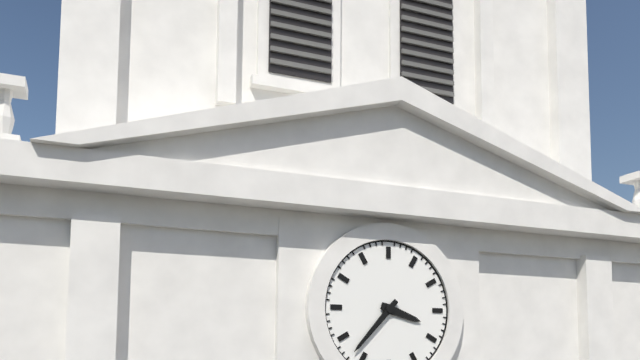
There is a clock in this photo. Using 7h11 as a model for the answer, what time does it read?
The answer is 3h37
